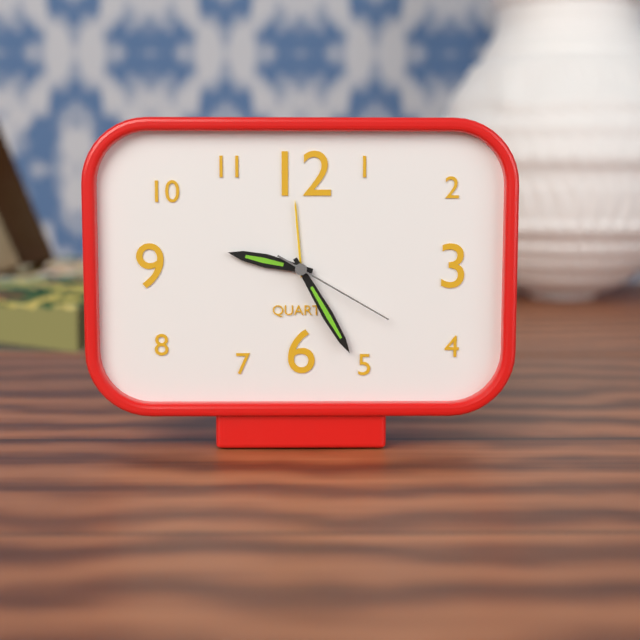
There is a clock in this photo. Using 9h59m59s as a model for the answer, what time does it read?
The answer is 9h25m20s
